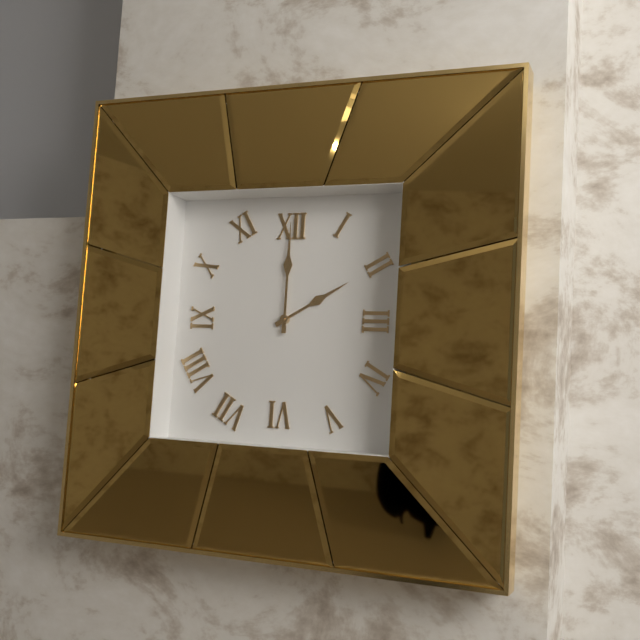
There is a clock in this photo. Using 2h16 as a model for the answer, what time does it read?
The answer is 2h00
